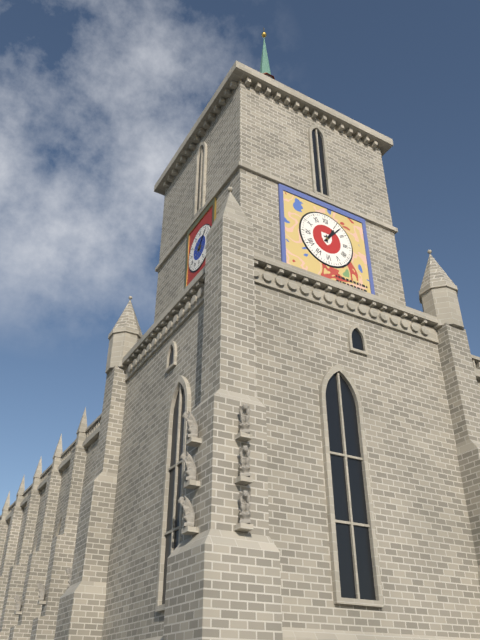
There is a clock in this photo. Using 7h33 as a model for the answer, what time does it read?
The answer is 1h07
